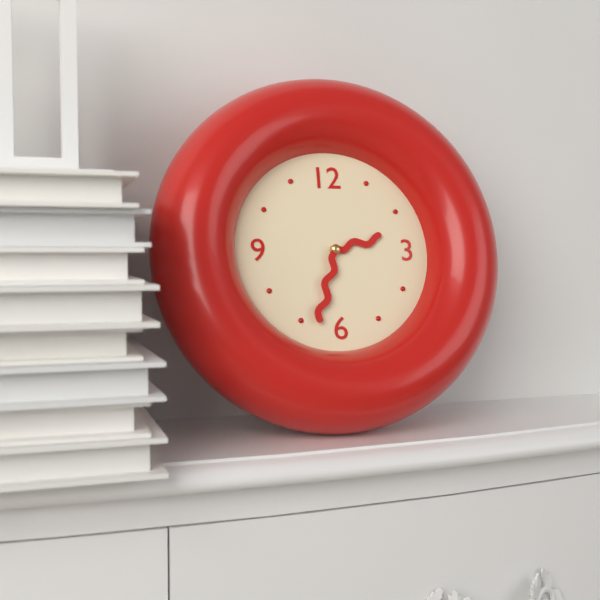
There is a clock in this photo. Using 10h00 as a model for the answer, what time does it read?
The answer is 2h33
